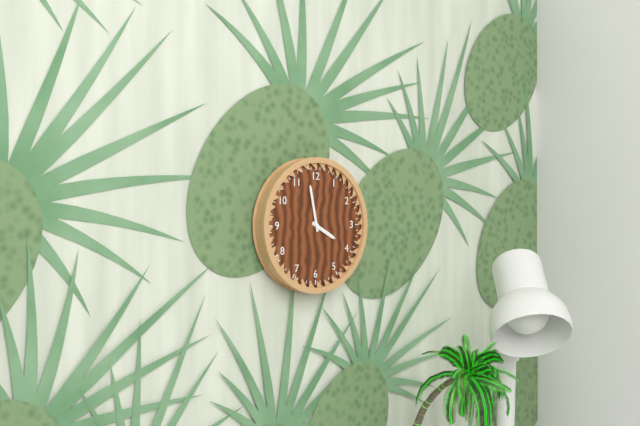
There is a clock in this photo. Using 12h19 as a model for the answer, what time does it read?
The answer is 3h58
